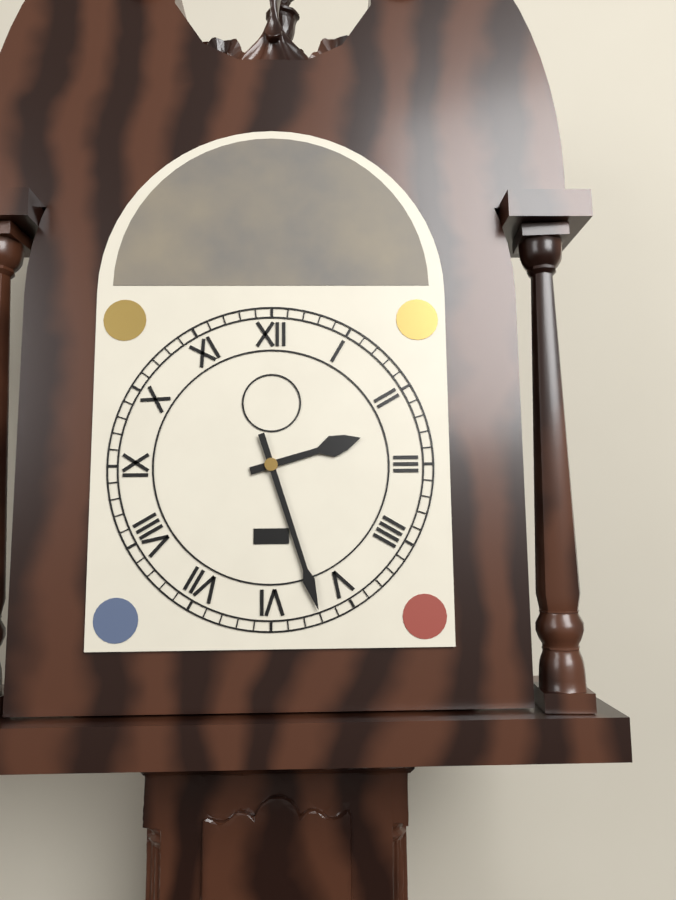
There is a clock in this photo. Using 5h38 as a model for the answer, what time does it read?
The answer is 2h27
